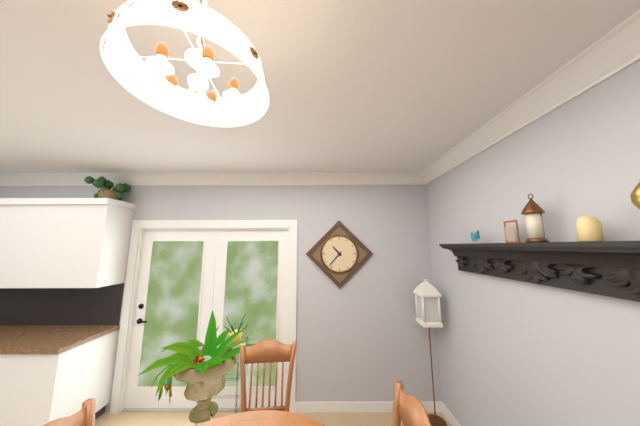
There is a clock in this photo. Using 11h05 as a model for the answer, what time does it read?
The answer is 10h37
